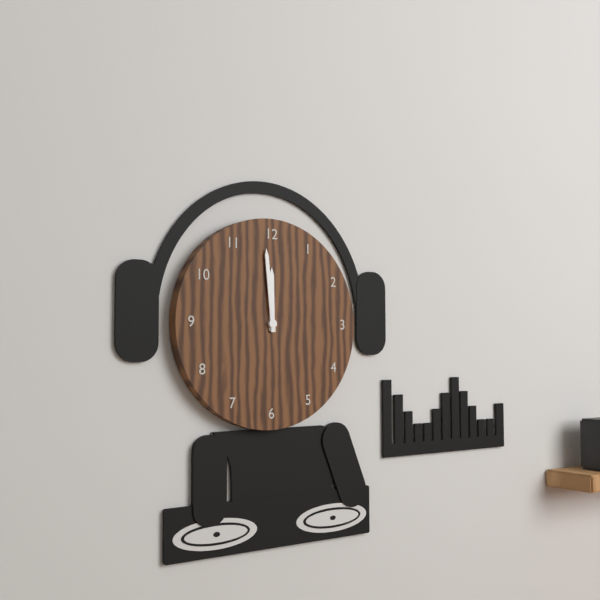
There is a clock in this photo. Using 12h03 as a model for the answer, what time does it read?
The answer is 11h59
